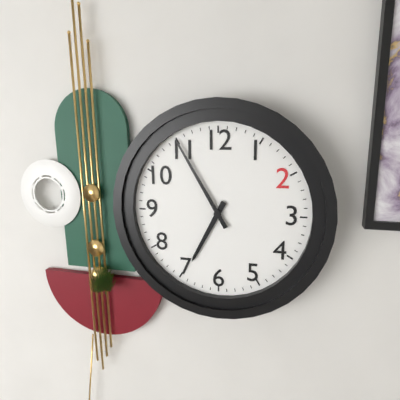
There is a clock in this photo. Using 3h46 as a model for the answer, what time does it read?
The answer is 6h55
